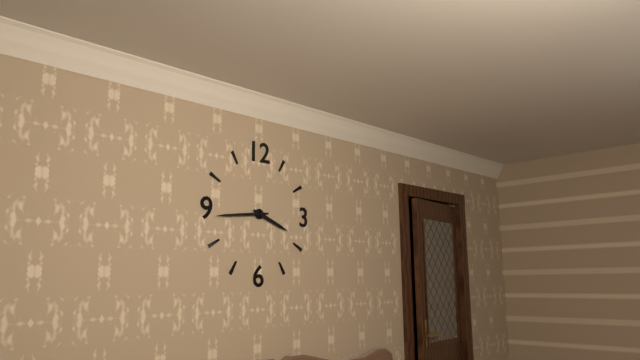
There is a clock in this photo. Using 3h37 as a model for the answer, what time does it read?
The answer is 3h44
